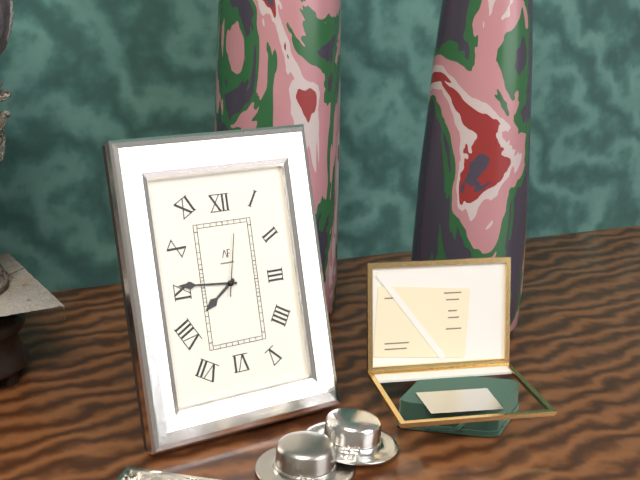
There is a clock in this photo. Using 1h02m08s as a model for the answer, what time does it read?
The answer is 7h46m02s
